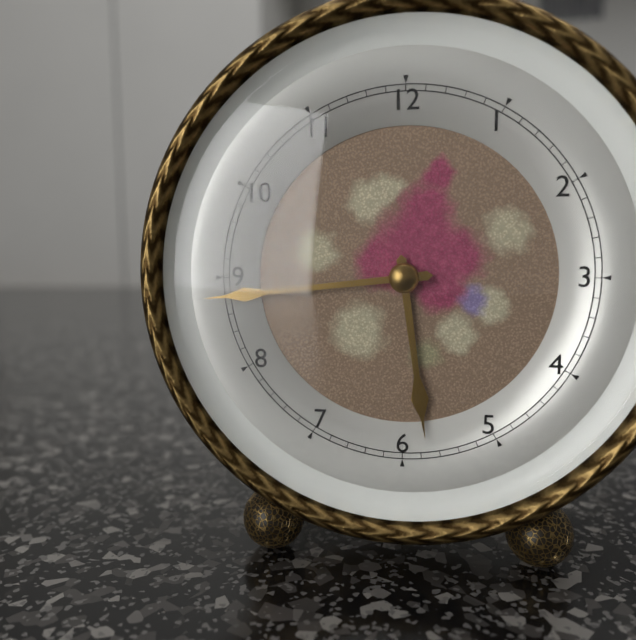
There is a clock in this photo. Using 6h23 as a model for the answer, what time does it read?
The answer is 5h44
